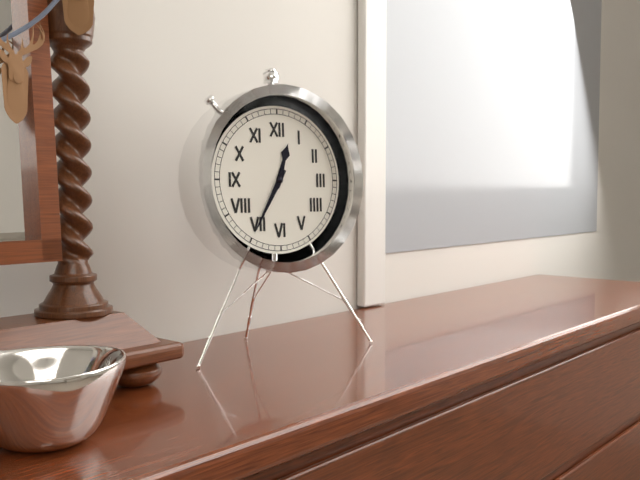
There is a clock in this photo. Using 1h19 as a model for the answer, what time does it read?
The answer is 12h35
